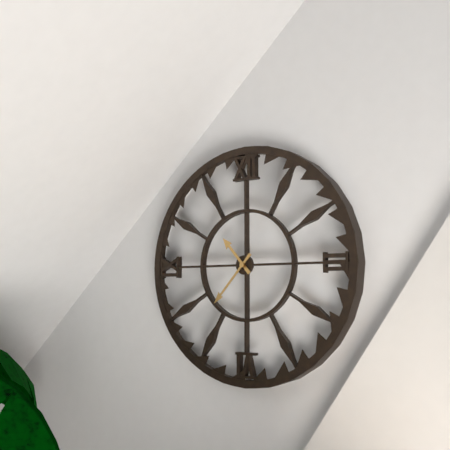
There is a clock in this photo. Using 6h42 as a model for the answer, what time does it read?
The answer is 10h37
